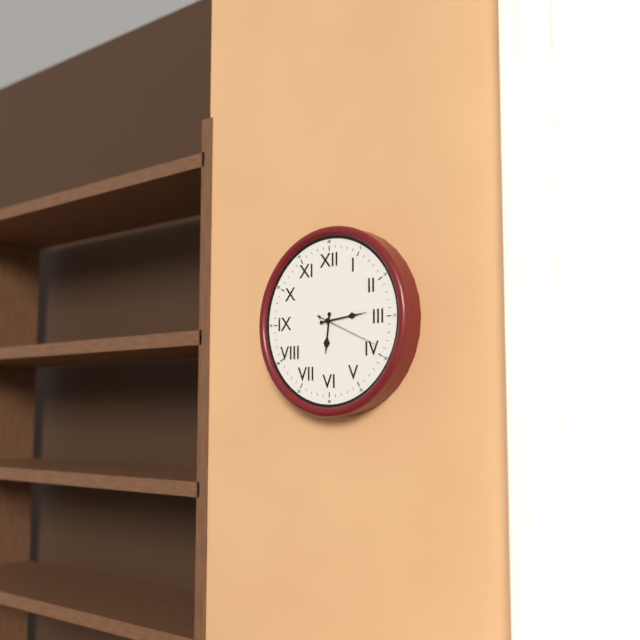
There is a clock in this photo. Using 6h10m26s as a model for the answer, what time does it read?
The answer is 6h14m19s
